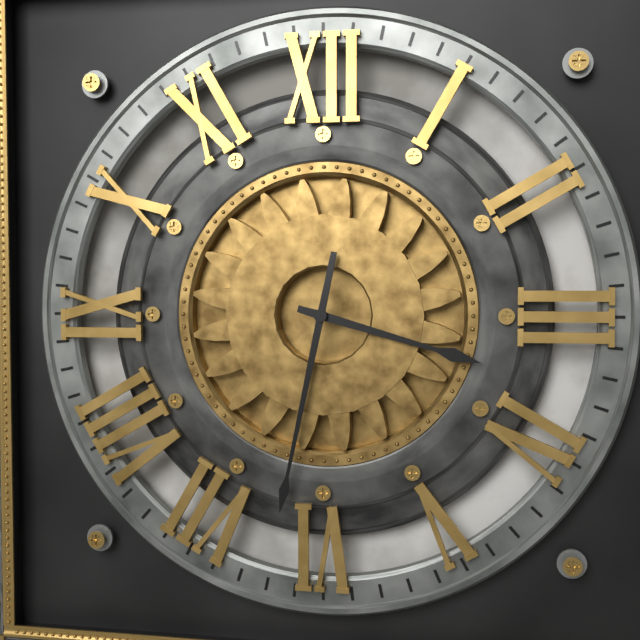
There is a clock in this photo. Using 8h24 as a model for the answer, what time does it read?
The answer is 3h32
